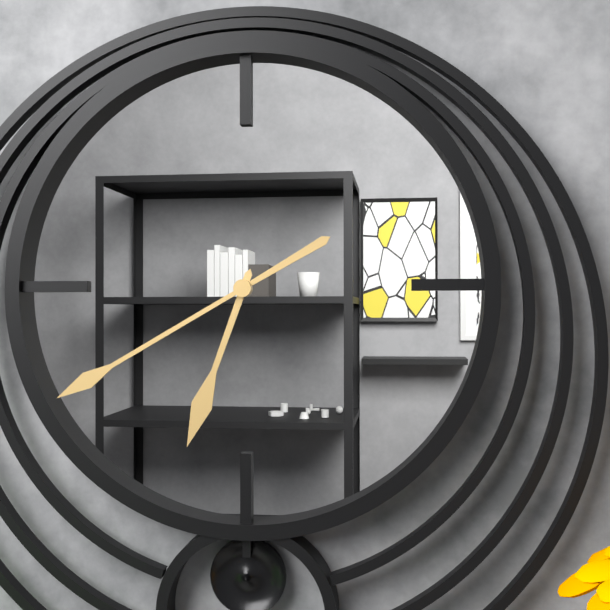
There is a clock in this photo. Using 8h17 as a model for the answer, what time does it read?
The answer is 6h40
